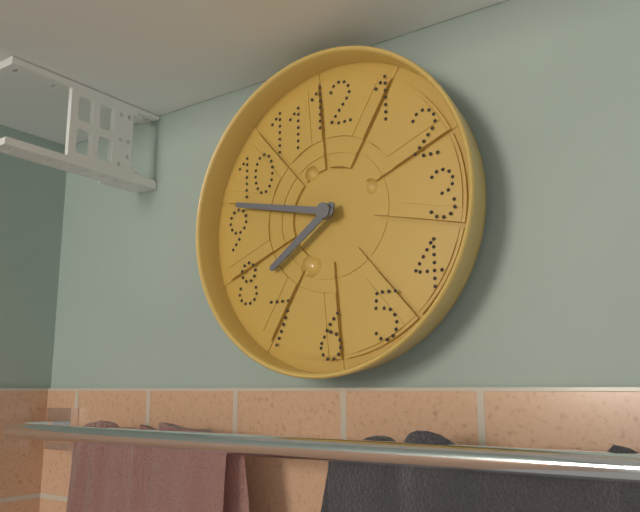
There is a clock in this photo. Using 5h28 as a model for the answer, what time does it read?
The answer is 7h47
